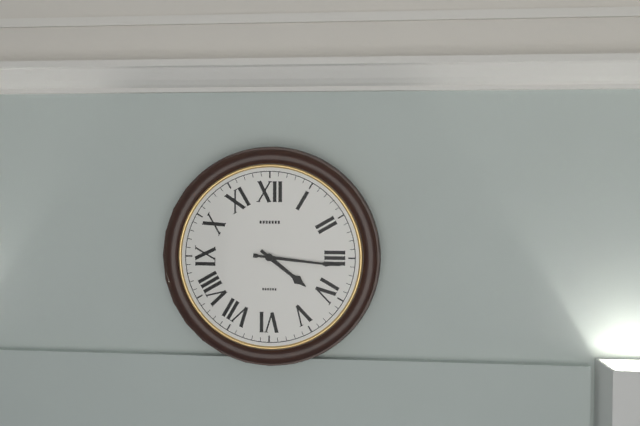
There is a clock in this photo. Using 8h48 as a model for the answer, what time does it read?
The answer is 4h16
